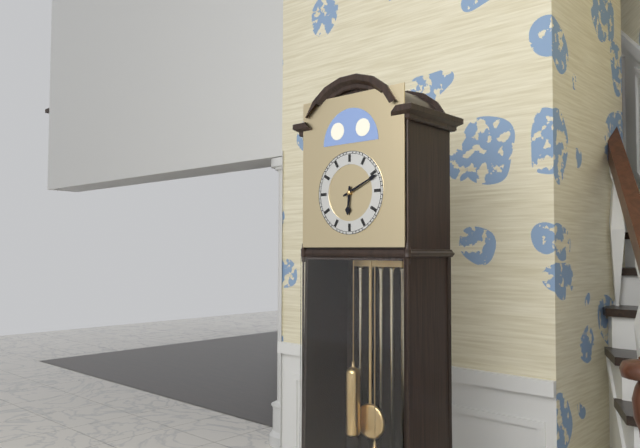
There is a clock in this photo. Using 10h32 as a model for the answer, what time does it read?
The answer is 6h11
